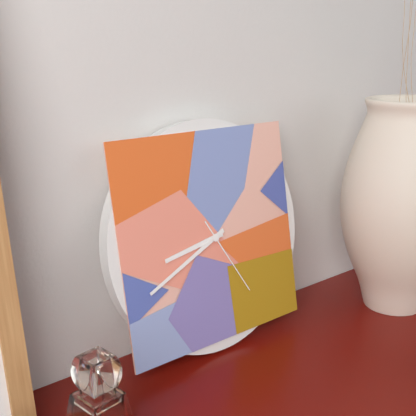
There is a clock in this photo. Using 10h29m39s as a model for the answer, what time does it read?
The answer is 8h41m25s
